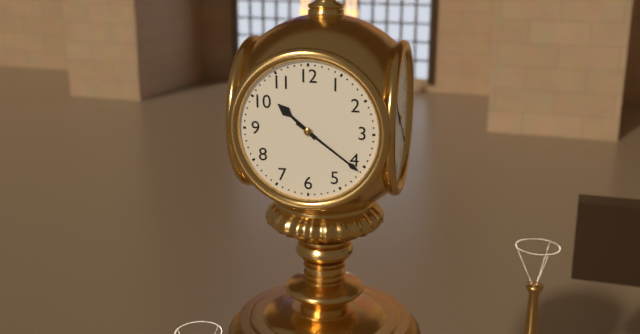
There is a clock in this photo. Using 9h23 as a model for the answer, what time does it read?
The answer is 10h21
